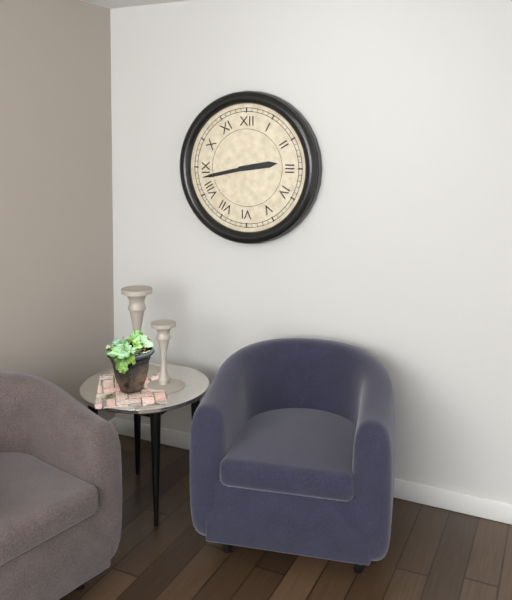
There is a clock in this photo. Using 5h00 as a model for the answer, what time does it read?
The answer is 2h43
